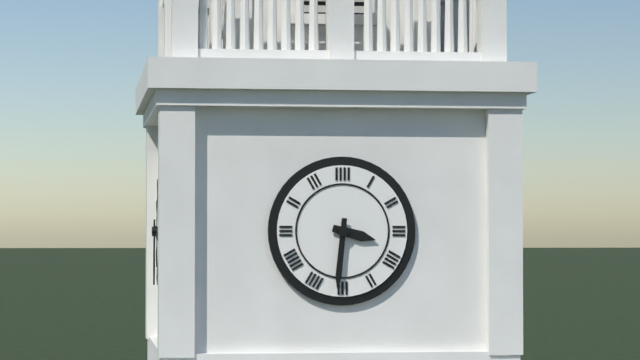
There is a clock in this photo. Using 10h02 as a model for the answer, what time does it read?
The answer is 3h31
